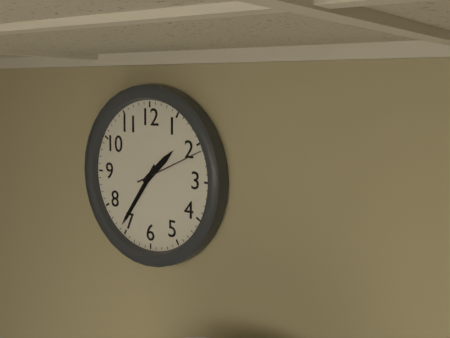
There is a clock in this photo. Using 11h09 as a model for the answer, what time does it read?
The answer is 1h36
